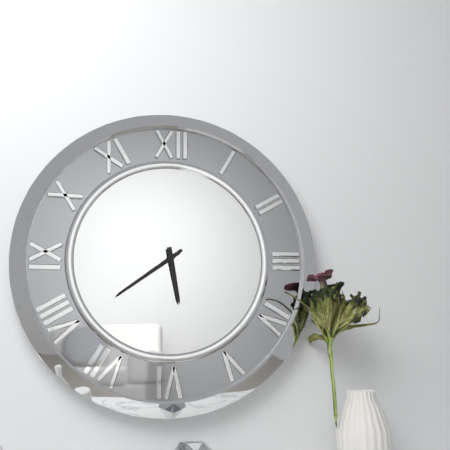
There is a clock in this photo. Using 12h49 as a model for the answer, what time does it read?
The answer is 5h39
